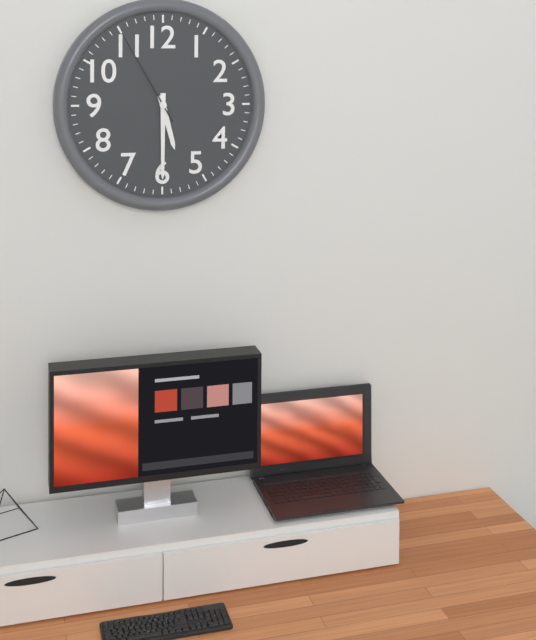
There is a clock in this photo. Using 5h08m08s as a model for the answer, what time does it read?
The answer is 5h30m55s
